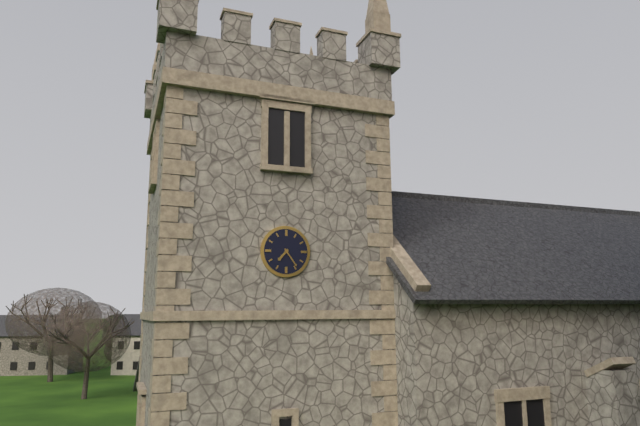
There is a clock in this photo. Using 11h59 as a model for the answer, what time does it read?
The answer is 7h24
